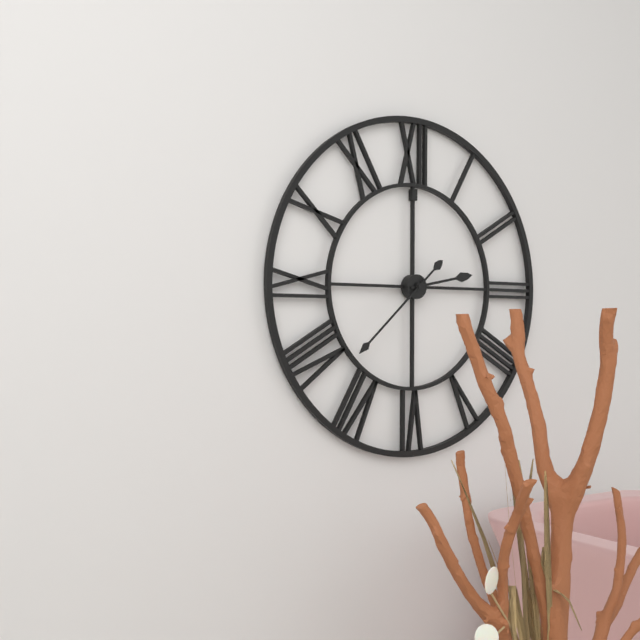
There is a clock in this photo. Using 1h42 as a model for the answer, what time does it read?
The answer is 2h38
